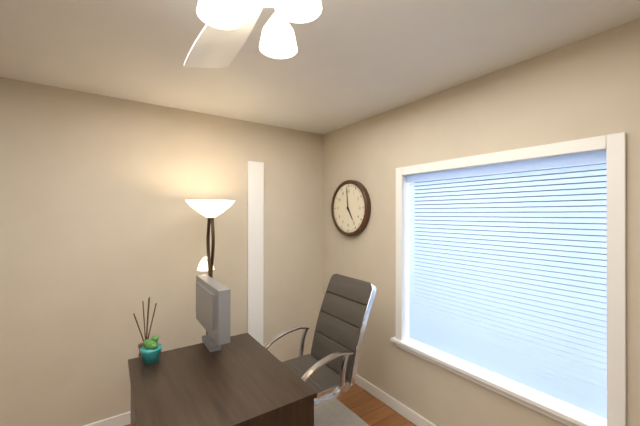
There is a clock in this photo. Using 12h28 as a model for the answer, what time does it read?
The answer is 4h59
